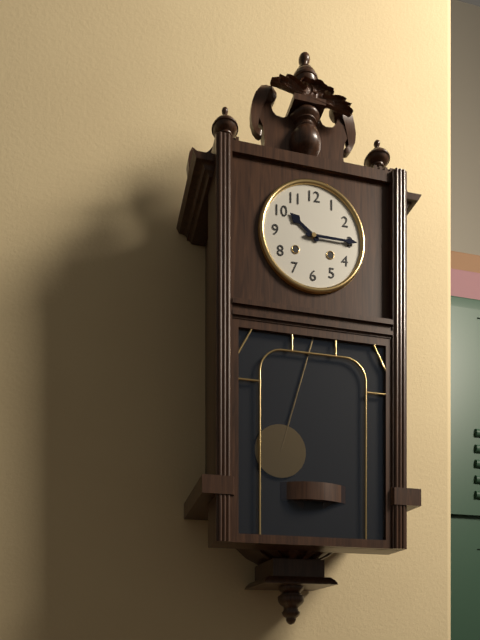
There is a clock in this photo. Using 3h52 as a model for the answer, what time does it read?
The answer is 10h15
